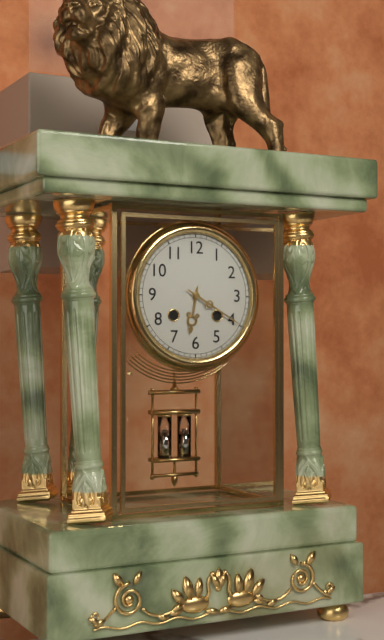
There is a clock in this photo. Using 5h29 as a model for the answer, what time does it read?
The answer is 6h20
